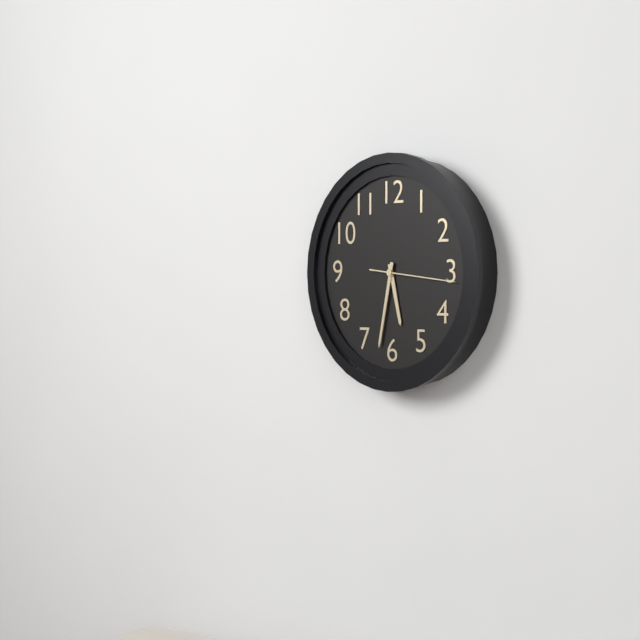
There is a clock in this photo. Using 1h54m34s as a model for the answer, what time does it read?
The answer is 5h32m16s
